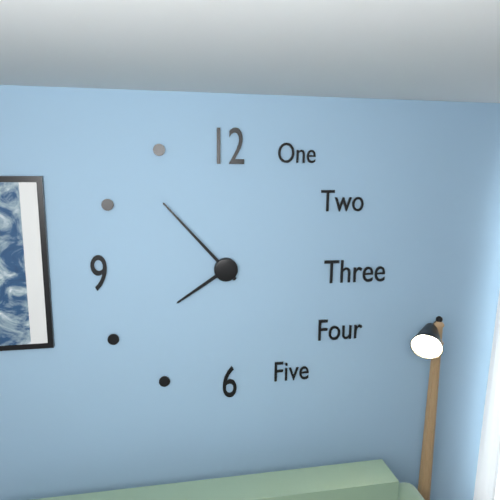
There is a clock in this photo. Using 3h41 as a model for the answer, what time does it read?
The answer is 7h53
